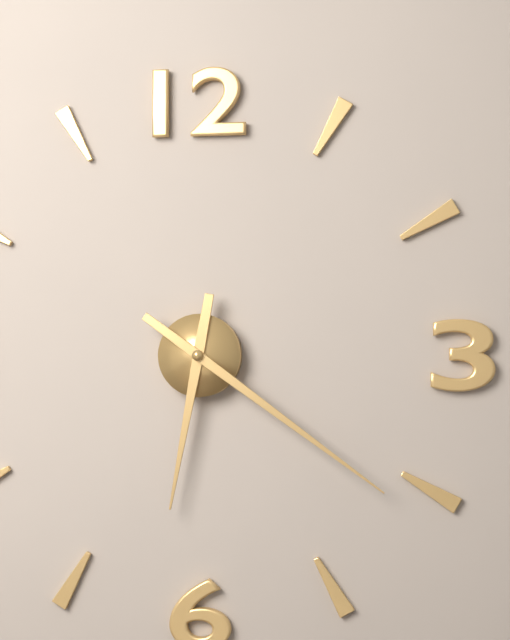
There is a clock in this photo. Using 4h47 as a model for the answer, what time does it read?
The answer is 6h21
